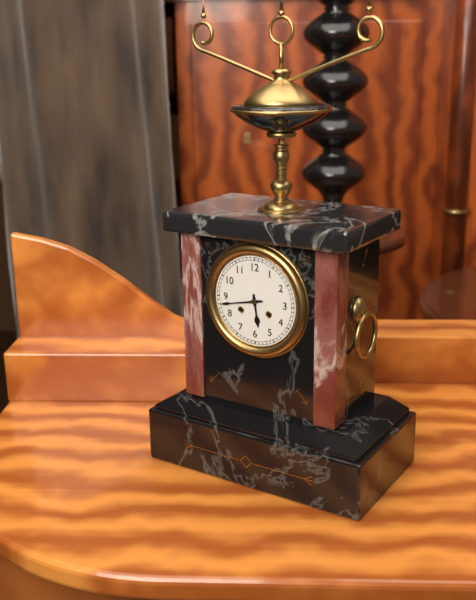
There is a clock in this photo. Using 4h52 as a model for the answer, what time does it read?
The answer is 5h43
